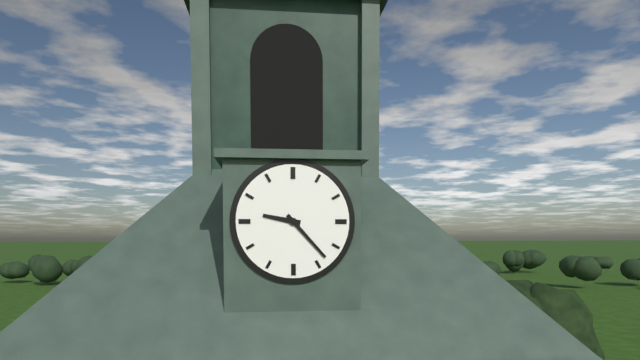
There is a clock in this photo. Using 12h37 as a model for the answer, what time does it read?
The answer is 9h23
